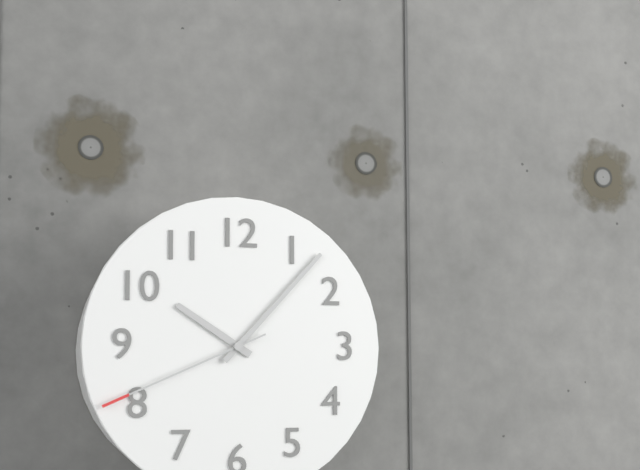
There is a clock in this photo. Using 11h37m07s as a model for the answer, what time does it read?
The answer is 10h07m41s
